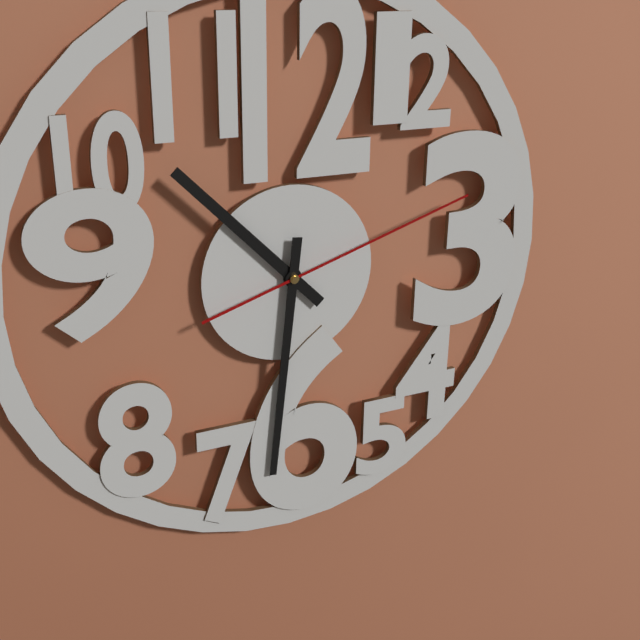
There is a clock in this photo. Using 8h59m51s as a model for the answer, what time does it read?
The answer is 10h31m12s
